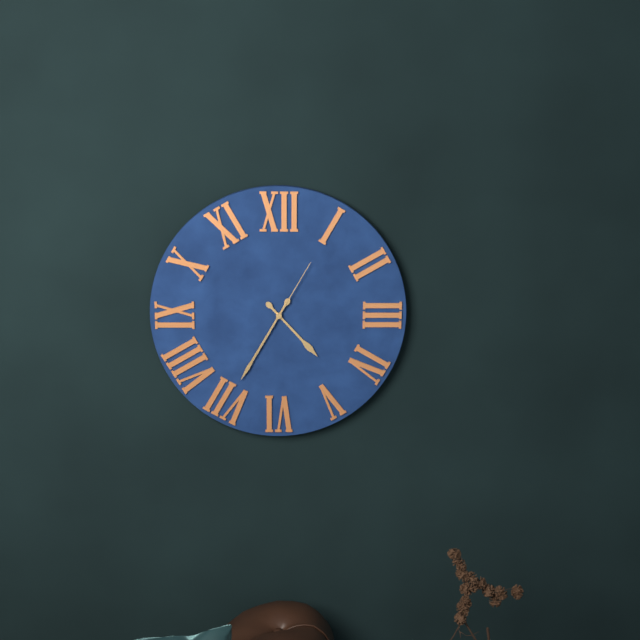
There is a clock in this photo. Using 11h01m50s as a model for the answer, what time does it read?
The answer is 4h35m05s
